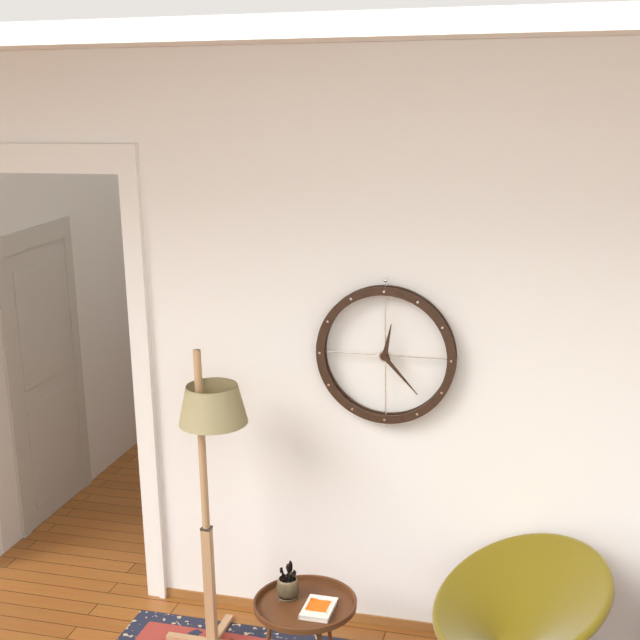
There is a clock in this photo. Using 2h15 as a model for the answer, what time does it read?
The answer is 12h23
